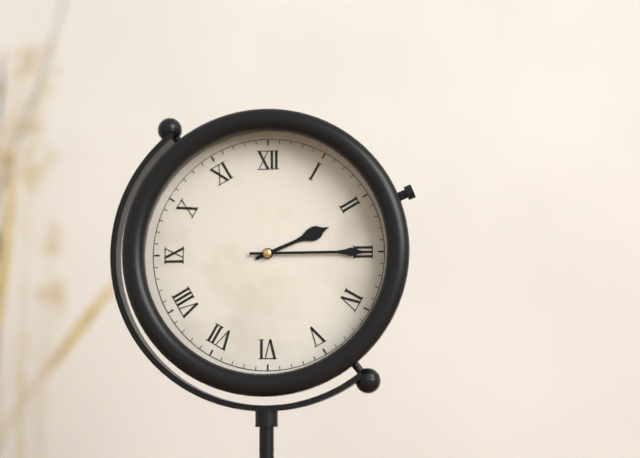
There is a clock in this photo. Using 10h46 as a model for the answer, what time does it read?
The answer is 2h15
